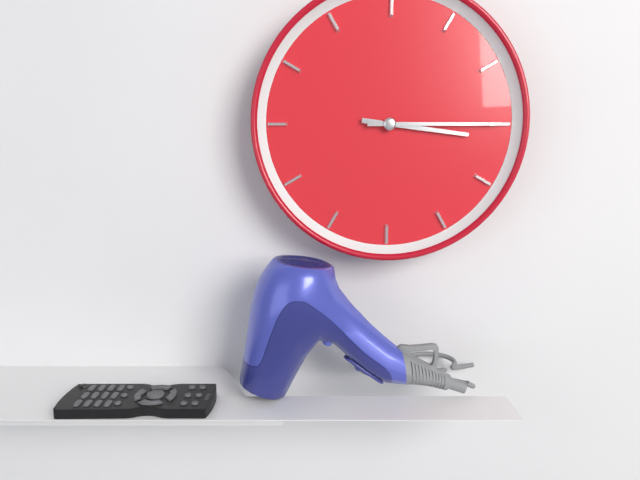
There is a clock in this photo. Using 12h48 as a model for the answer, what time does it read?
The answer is 3h15
